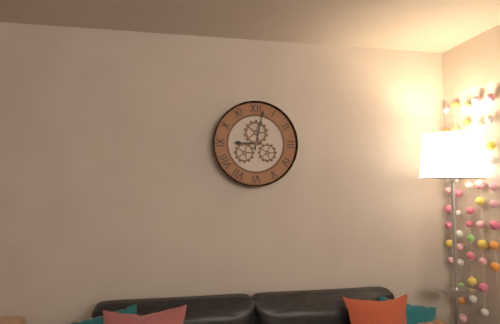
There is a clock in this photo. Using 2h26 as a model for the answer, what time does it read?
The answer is 9h02
